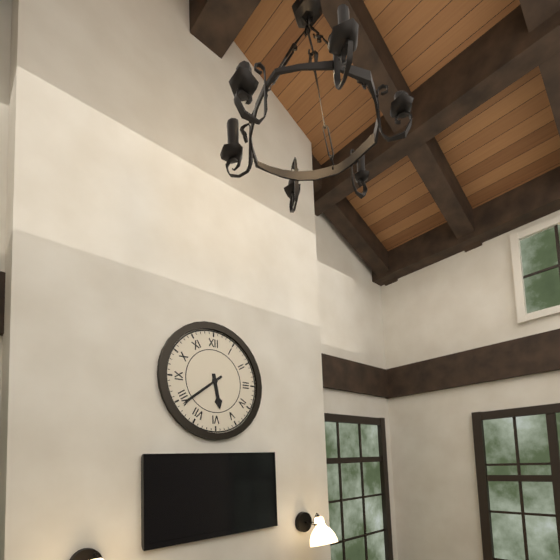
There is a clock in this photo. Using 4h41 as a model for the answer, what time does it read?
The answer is 5h39
